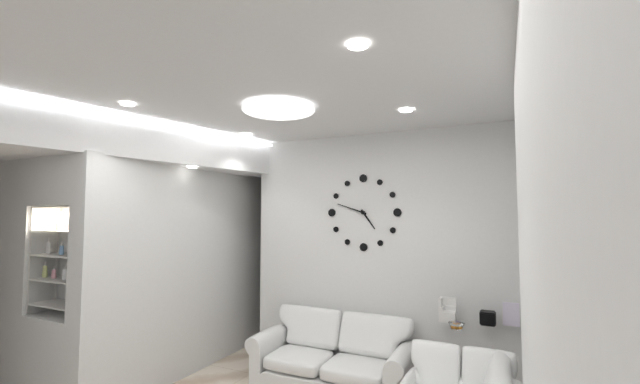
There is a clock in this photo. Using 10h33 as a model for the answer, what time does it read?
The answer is 4h48
